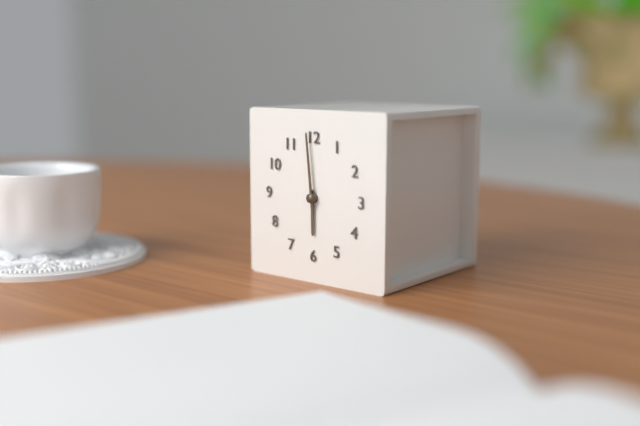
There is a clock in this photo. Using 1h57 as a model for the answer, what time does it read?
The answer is 5h59
